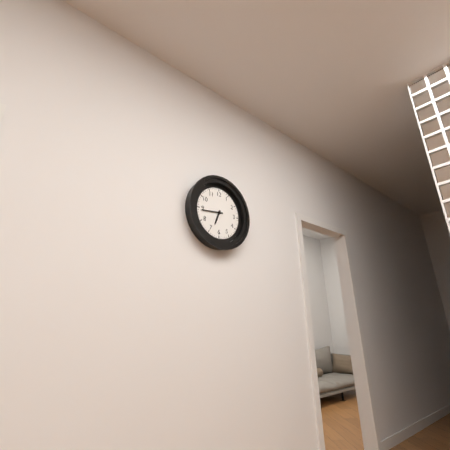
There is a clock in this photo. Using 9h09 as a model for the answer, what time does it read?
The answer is 6h44
